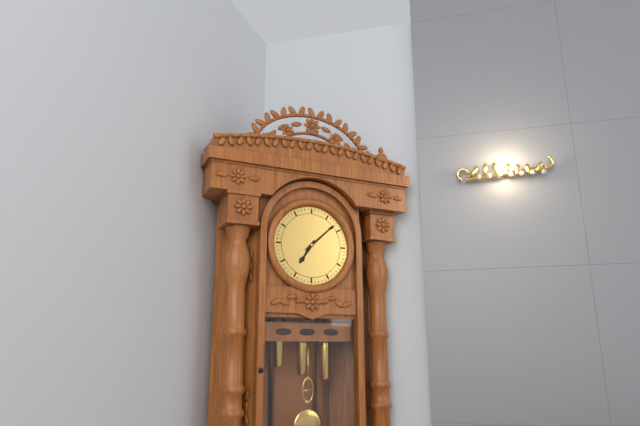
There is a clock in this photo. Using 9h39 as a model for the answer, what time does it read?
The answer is 7h08
